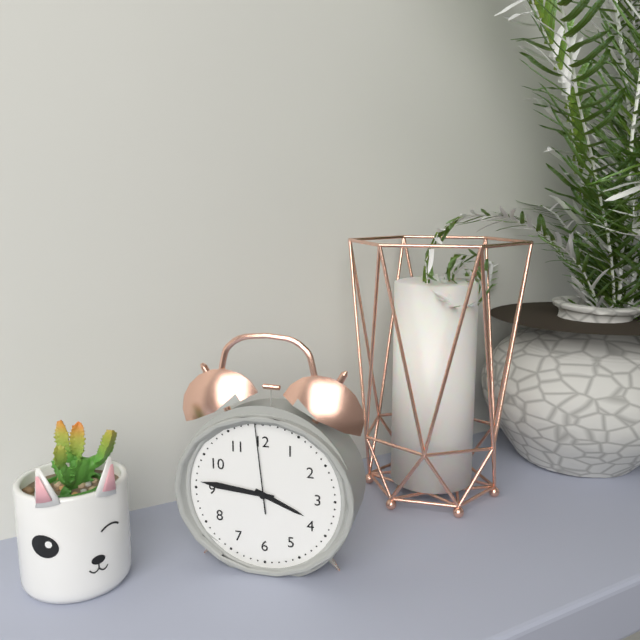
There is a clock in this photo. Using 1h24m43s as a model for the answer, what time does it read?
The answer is 3h46m59s
